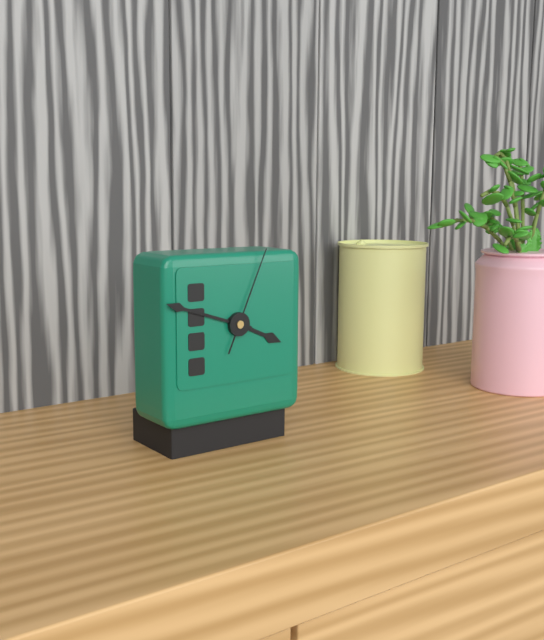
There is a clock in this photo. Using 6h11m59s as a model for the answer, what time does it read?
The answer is 3h48m04s
